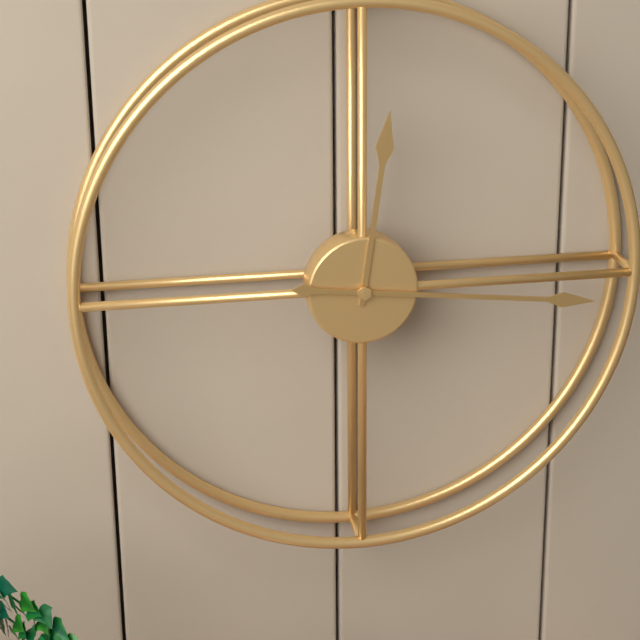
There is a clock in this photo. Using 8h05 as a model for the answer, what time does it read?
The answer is 12h16
